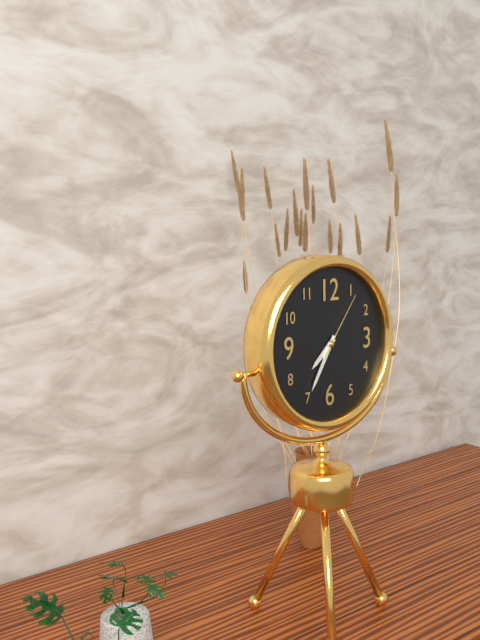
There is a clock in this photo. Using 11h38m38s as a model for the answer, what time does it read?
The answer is 7h35m06s
